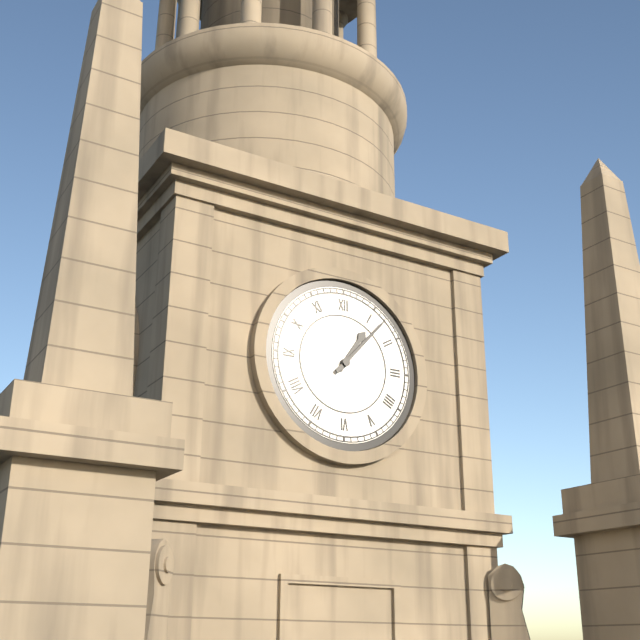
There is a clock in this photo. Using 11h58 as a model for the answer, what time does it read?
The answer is 1h07
